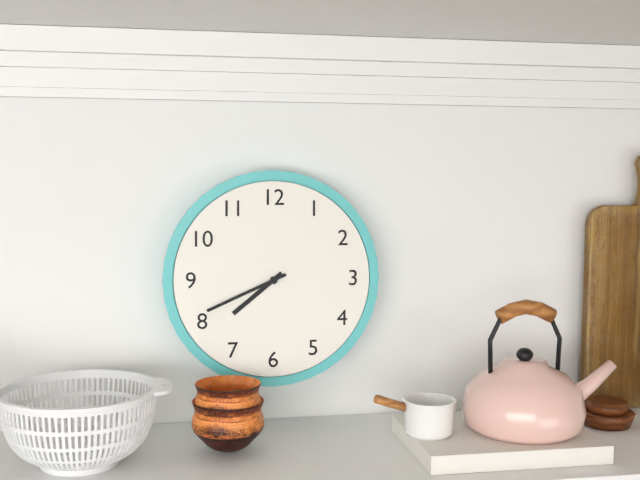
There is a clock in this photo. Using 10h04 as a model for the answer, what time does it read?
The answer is 7h41
